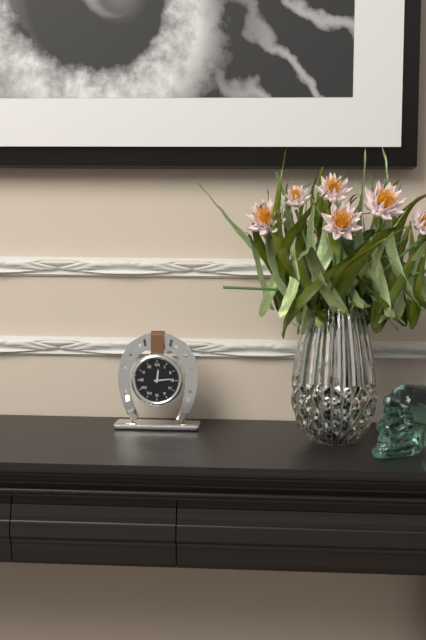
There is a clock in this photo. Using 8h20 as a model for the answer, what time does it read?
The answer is 12h14
